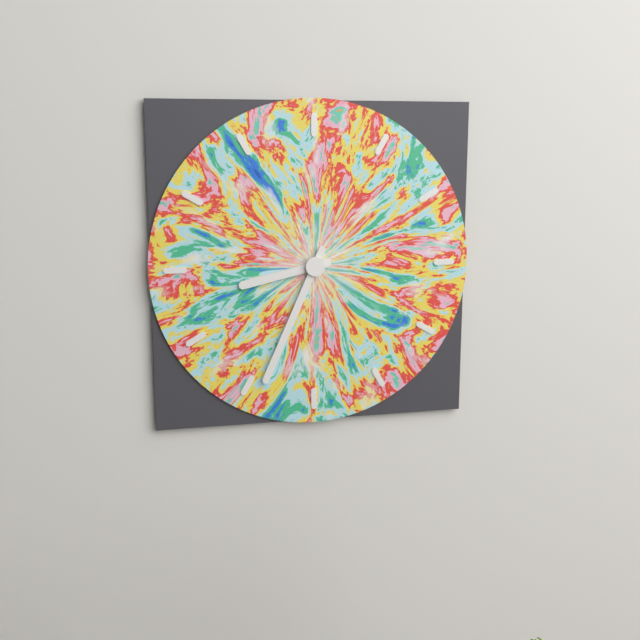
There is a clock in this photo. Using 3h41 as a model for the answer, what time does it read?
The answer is 8h34
